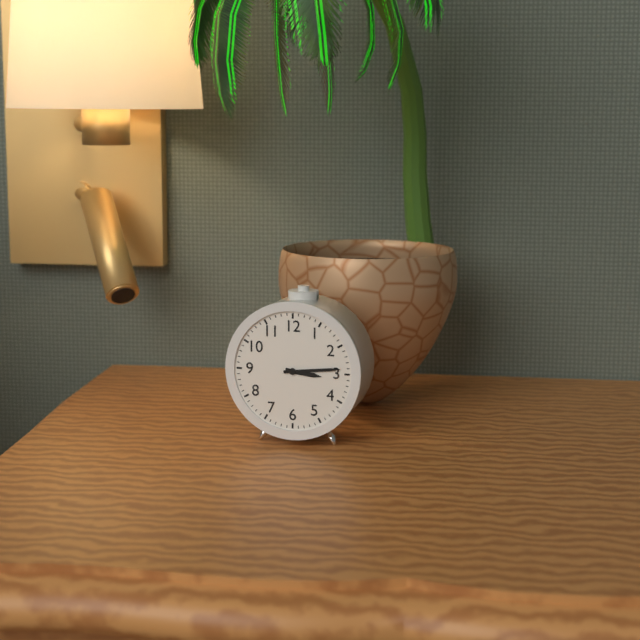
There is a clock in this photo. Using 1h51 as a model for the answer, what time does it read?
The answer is 3h14
